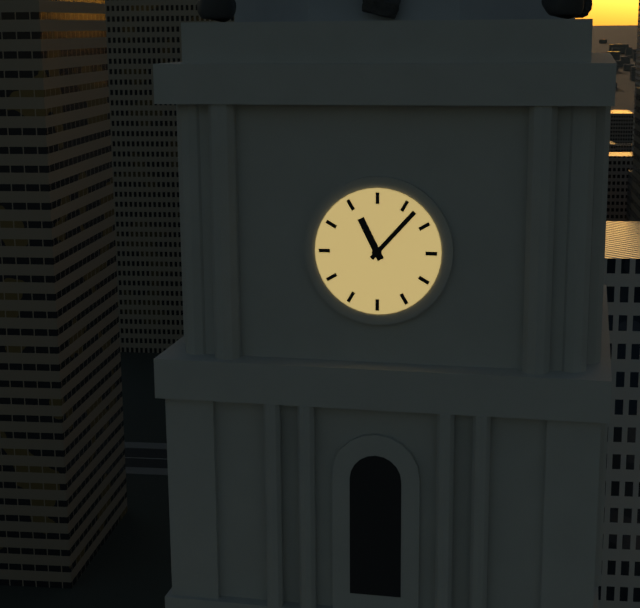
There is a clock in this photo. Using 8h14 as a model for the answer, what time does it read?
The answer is 11h07
